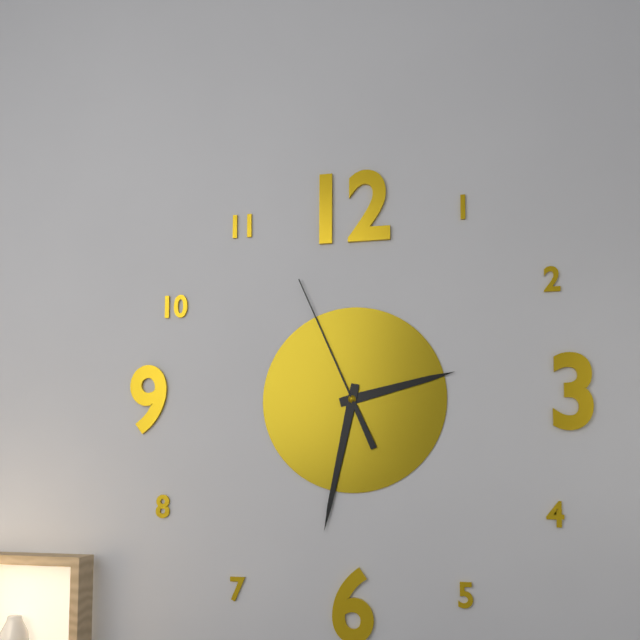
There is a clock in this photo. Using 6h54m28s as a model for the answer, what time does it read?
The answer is 2h32m56s
